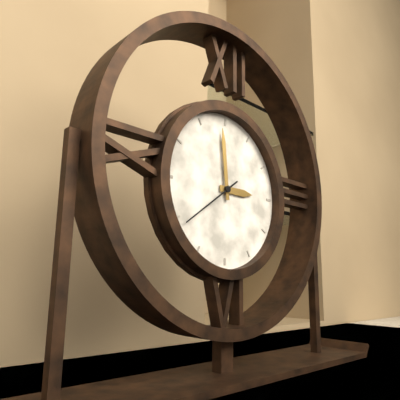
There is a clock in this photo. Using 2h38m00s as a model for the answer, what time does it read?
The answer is 2h59m39s
